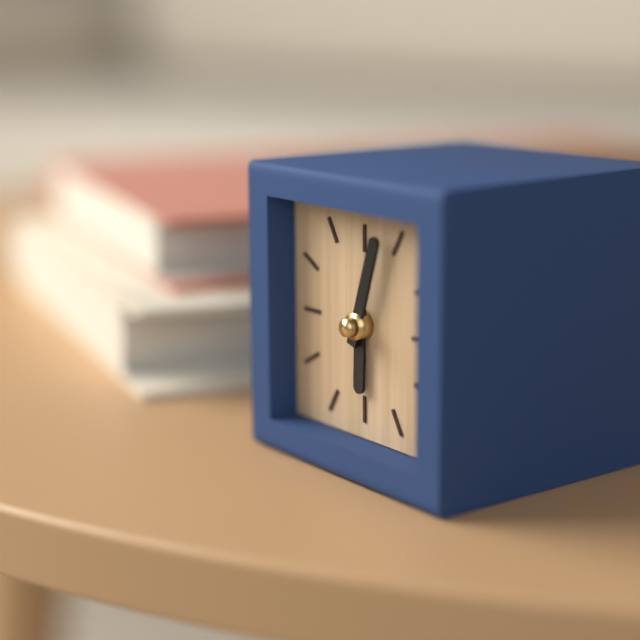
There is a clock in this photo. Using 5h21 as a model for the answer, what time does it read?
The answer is 6h03
